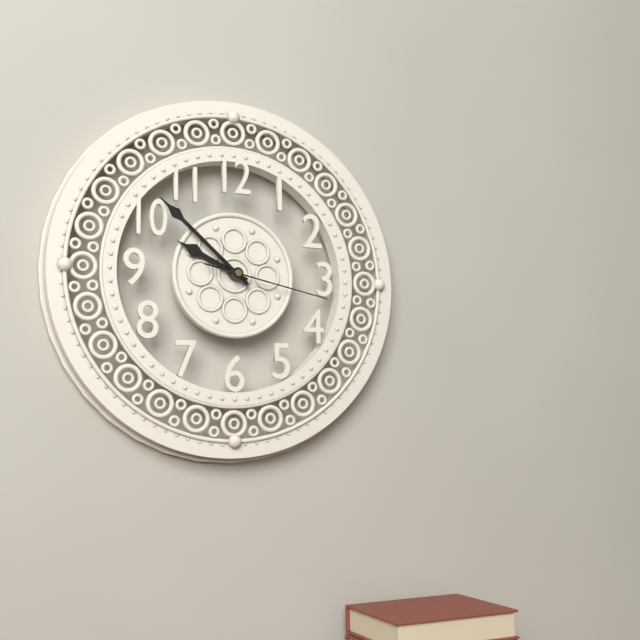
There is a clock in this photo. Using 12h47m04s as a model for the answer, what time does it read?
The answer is 9h52m17s
